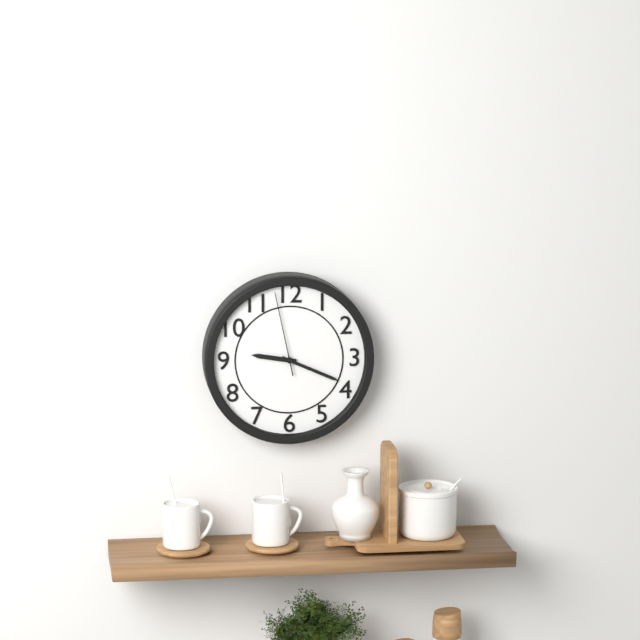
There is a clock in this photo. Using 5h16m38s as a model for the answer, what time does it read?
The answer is 9h19m58s
